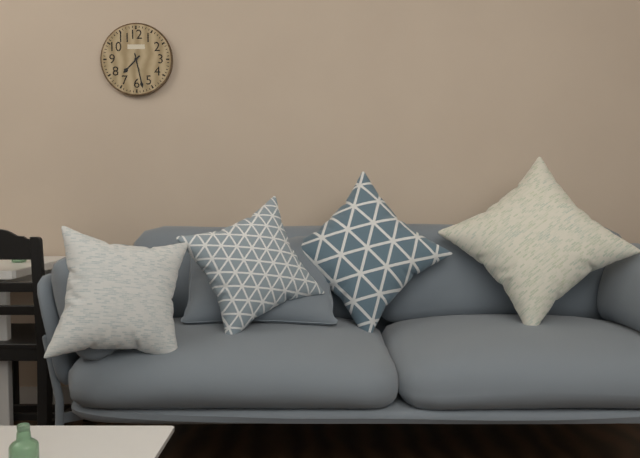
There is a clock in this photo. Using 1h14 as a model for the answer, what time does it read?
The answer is 7h28
